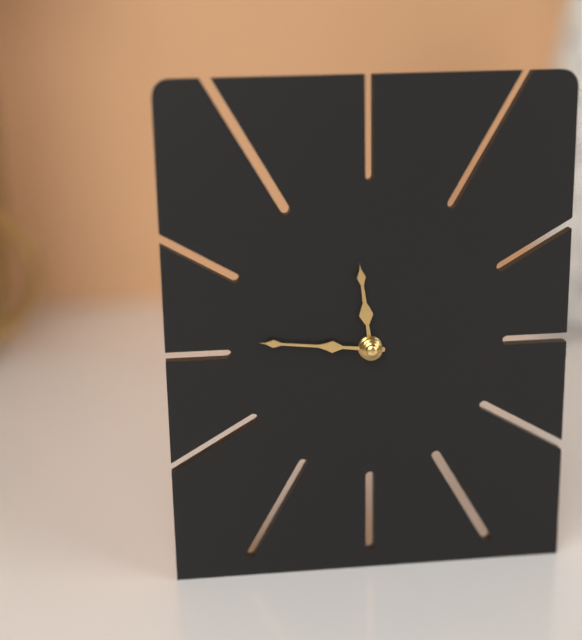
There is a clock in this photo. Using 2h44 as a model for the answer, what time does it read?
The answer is 11h46
